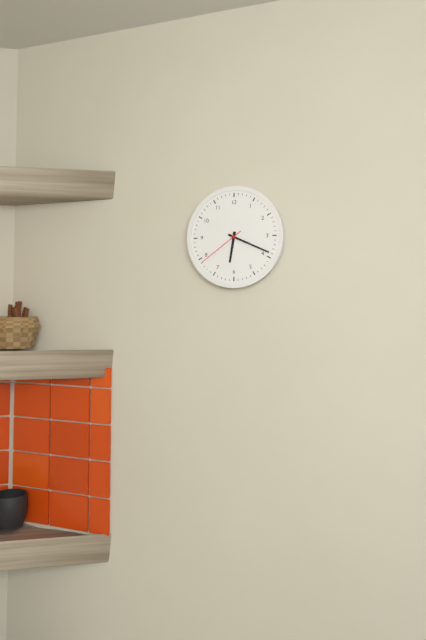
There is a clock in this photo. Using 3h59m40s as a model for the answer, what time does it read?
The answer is 6h19m39s
